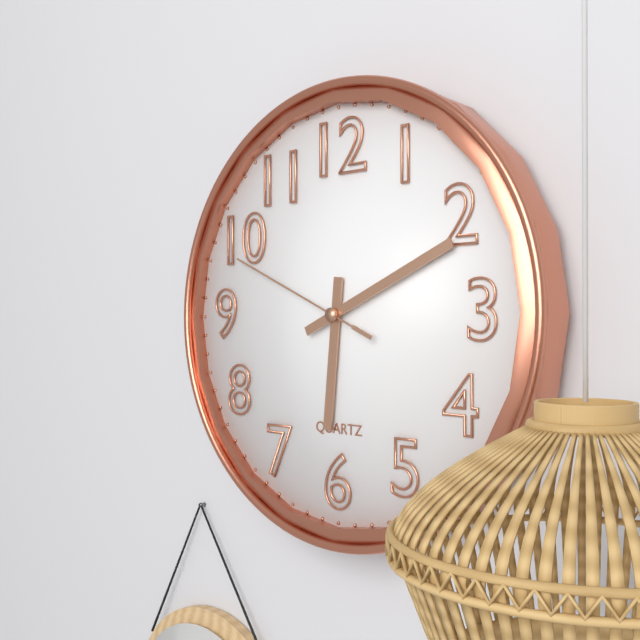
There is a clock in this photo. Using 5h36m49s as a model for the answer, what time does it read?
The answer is 6h11m49s
